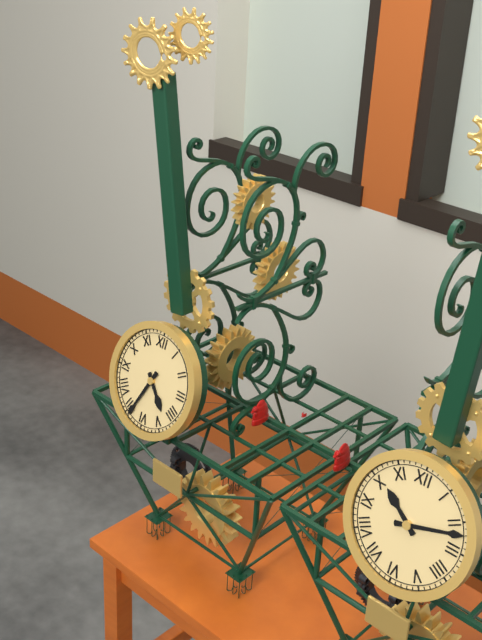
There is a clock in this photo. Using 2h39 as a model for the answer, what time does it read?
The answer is 4h34
